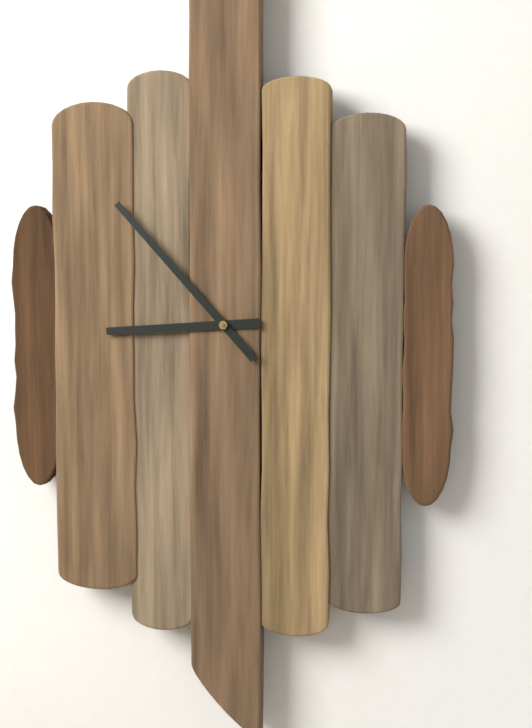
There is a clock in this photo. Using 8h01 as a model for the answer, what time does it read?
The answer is 8h53
